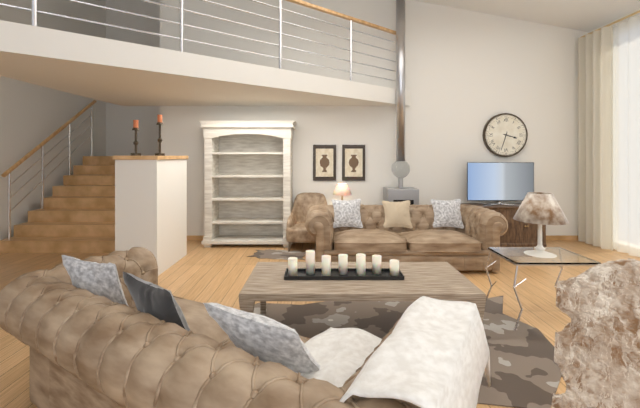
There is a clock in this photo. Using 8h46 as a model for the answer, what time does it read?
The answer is 3h33
